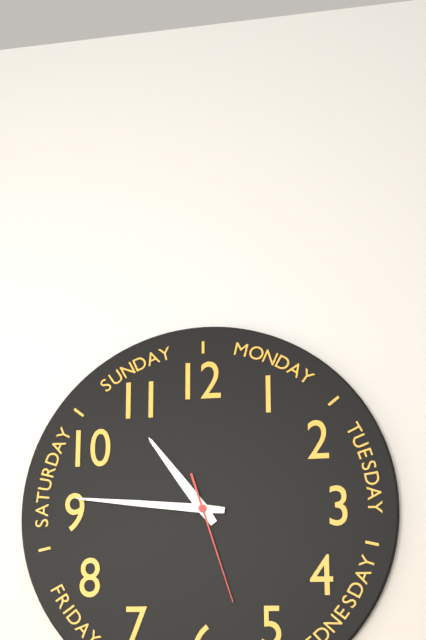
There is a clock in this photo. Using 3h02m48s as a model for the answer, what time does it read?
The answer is 10h46m27s
